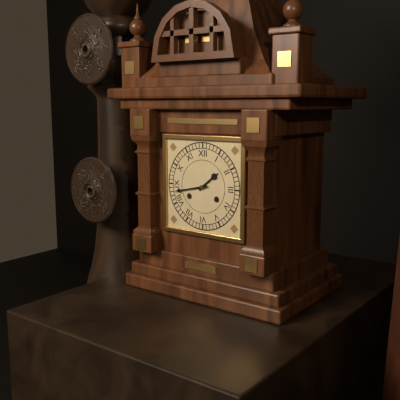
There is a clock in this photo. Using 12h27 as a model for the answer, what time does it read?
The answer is 1h43
